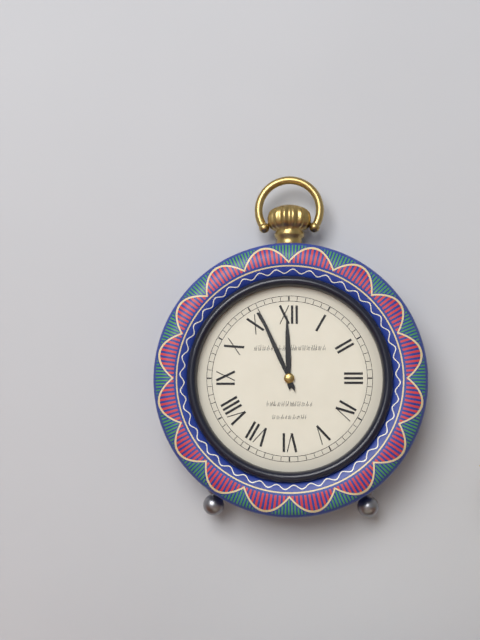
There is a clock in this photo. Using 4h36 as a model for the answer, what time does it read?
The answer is 11h56
